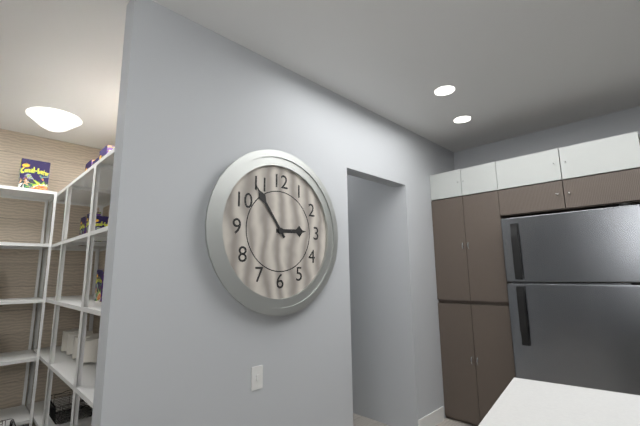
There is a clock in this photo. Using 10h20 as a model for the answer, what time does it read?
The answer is 2h54
